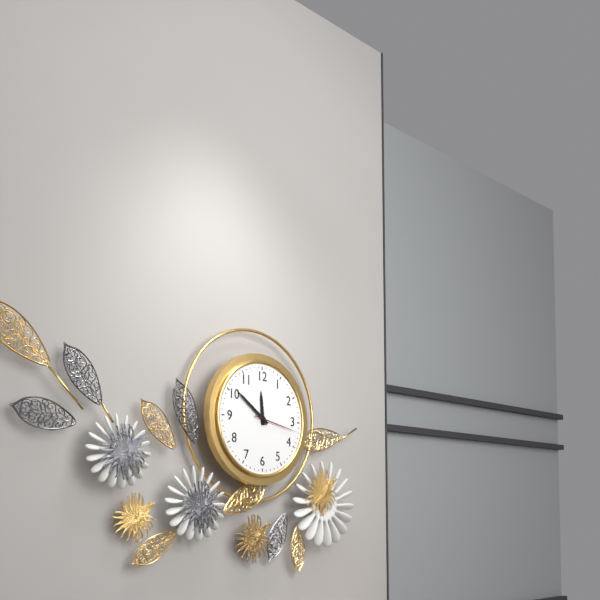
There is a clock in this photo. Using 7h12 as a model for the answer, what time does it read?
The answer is 11h51
